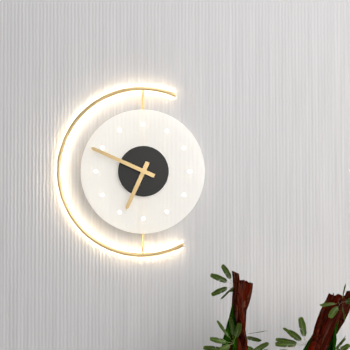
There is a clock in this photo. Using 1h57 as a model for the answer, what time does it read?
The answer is 6h49
